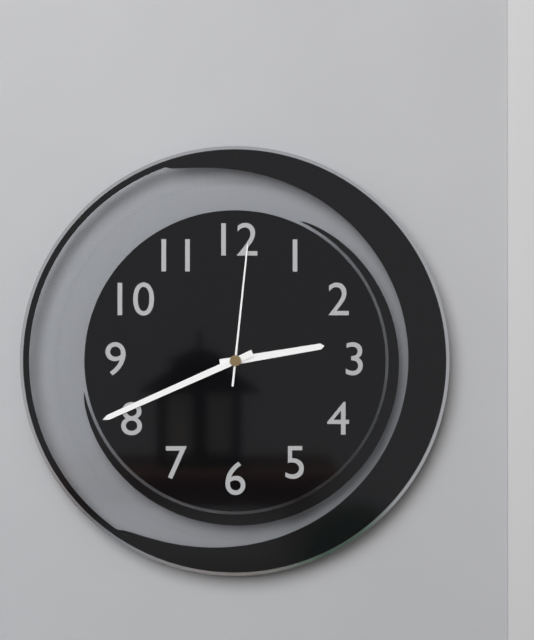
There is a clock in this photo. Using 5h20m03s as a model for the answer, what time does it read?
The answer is 2h41m01s
